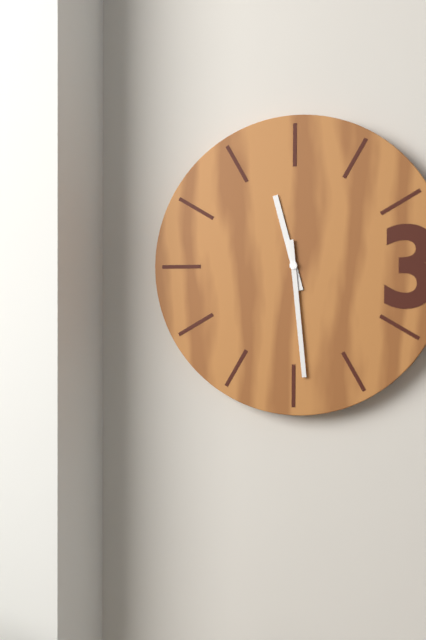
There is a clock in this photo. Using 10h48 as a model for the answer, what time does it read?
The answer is 11h29
